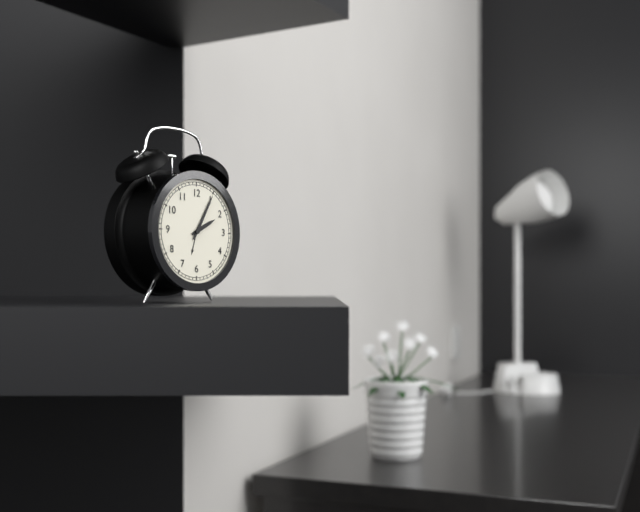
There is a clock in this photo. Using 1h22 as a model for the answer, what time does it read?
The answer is 2h05
